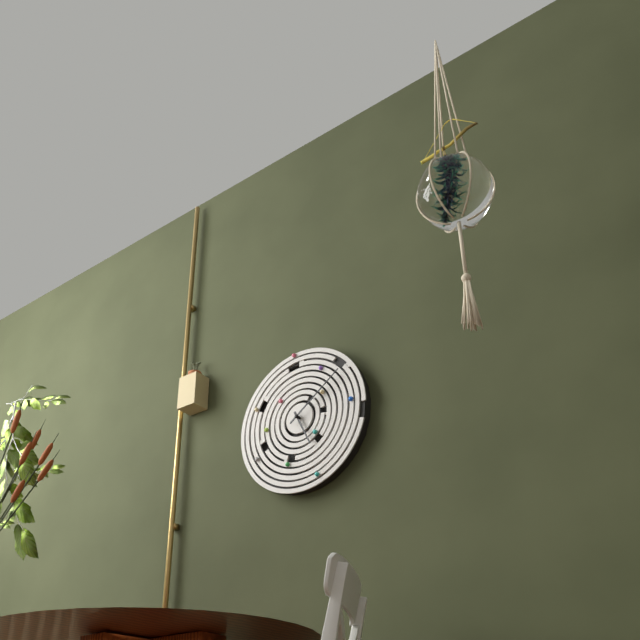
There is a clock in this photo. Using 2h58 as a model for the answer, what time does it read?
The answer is 5h09
